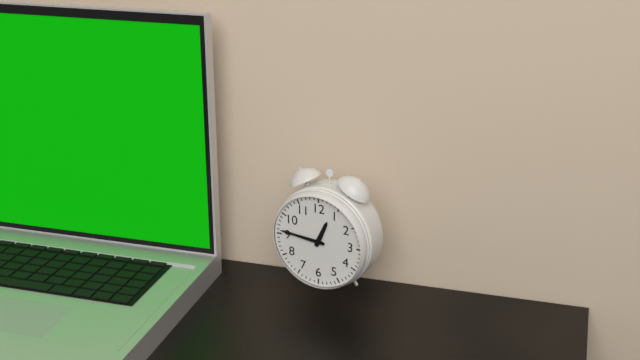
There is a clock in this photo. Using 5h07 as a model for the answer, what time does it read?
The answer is 12h46
